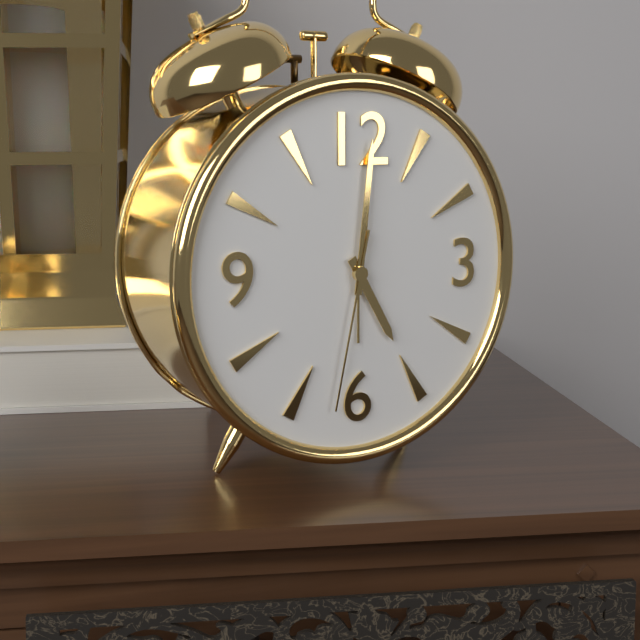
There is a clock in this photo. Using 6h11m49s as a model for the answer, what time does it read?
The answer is 5h01m32s
